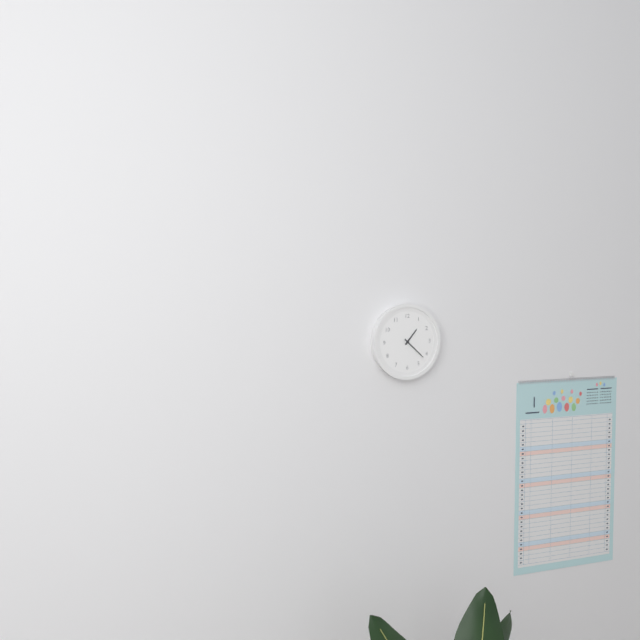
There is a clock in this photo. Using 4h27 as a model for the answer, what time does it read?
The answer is 1h22
